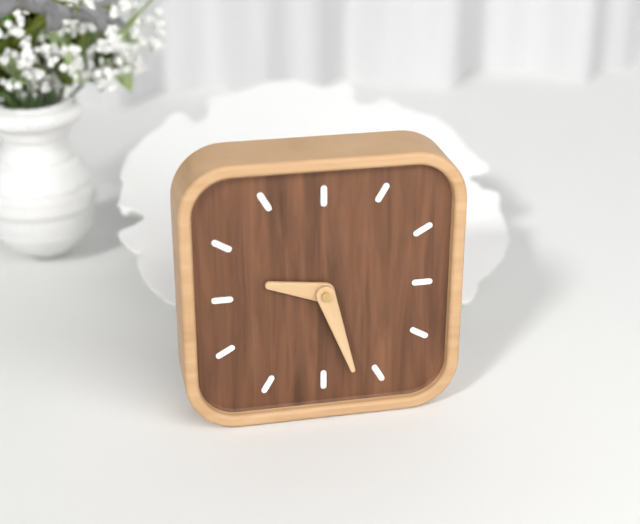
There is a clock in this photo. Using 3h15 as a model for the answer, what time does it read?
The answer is 9h27
